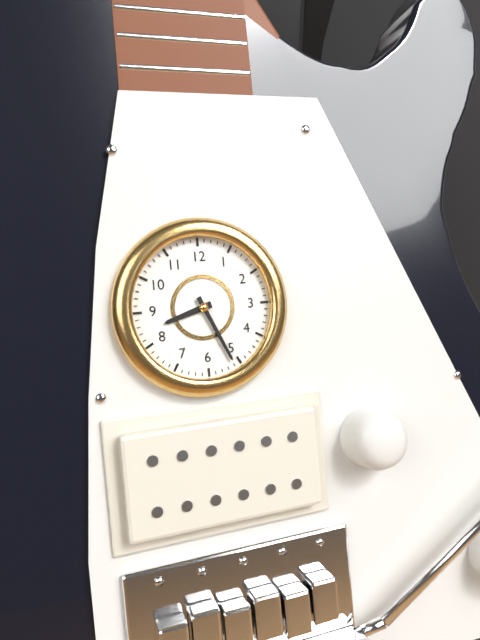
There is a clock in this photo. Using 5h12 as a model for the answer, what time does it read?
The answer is 8h26
